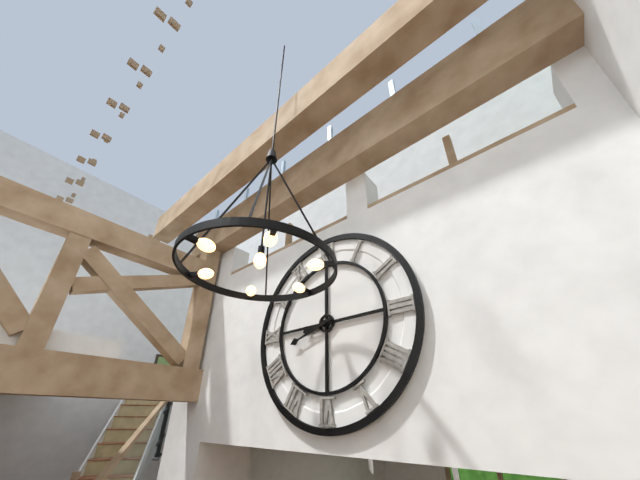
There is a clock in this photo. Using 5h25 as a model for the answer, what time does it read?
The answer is 8h42
